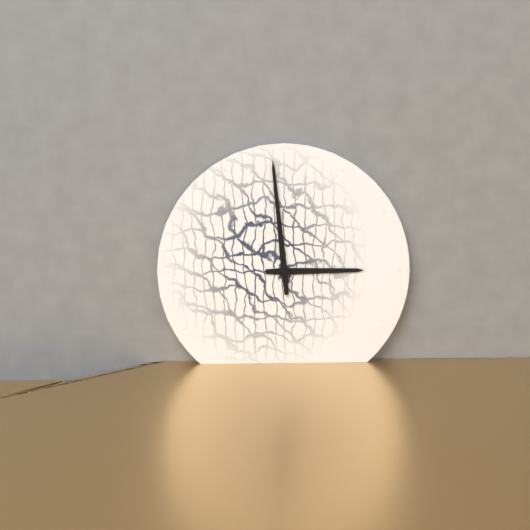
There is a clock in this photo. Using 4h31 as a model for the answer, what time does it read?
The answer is 2h59
